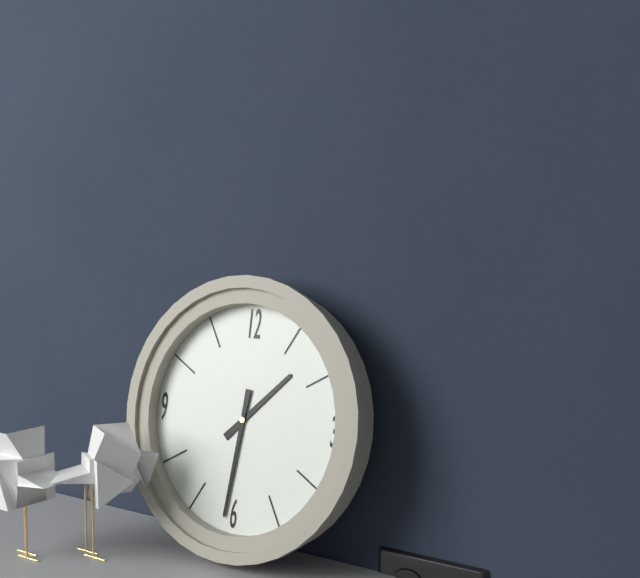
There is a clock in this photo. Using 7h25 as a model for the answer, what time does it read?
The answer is 1h31
